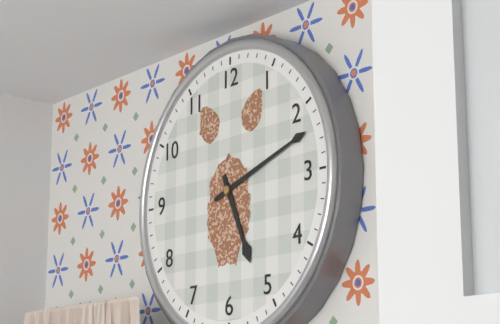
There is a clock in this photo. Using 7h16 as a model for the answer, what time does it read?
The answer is 5h12
